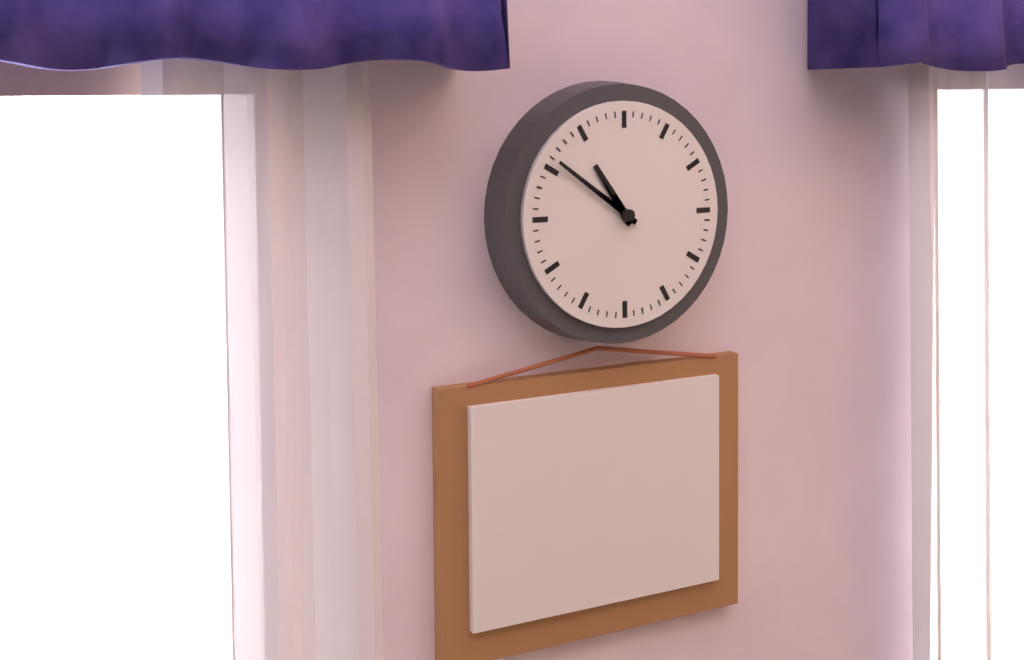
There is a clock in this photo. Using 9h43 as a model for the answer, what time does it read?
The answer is 10h51
